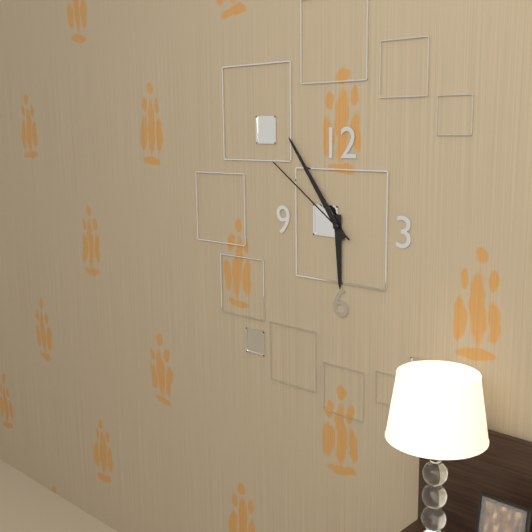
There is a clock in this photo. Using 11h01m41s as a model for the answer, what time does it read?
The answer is 5h54m51s
